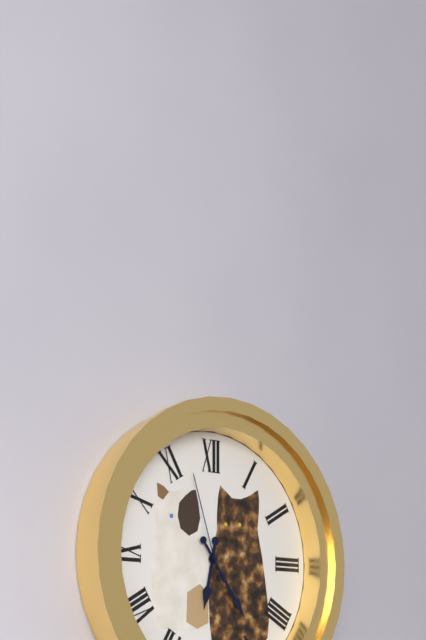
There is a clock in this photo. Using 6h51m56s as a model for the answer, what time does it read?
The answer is 6h24m57s
